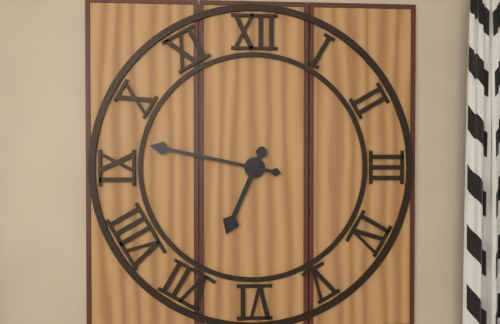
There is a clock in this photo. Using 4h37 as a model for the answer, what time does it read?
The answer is 6h47
